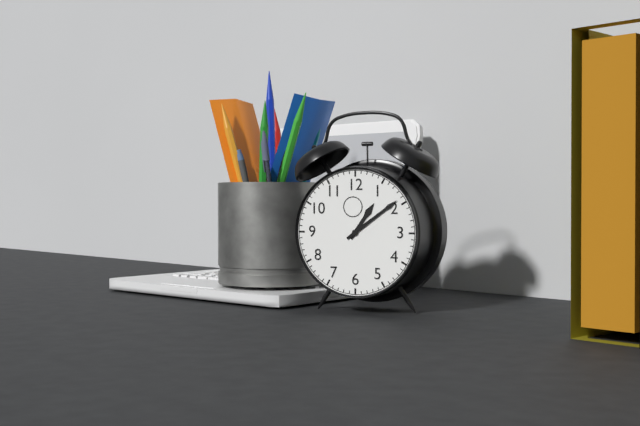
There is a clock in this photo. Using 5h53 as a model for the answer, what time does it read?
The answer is 1h09
